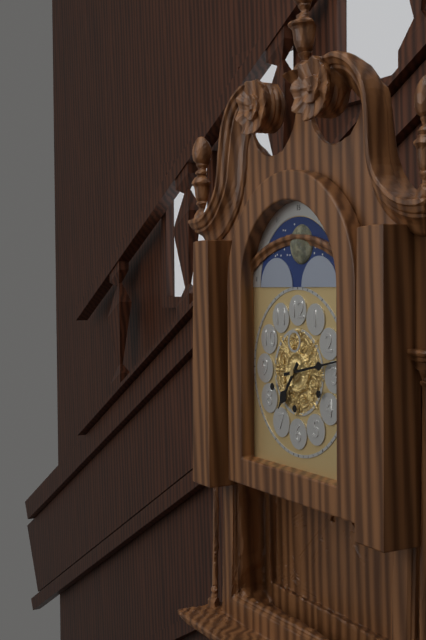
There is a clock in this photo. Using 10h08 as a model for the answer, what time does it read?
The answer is 7h13
